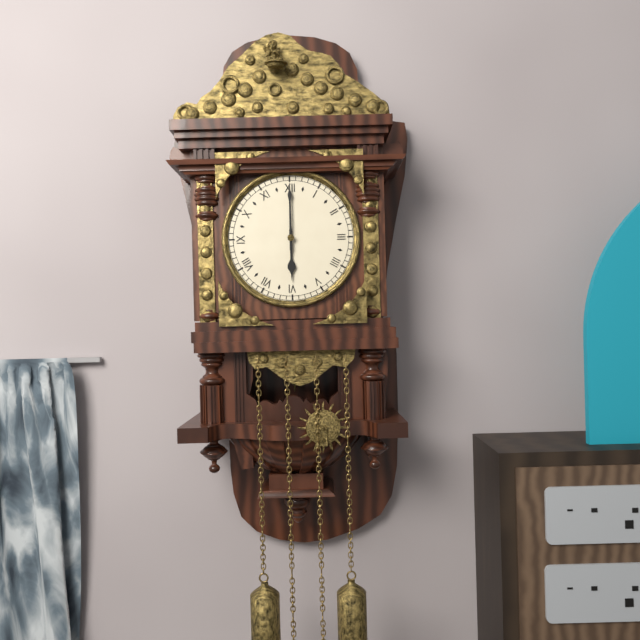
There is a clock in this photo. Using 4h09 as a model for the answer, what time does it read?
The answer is 6h00
